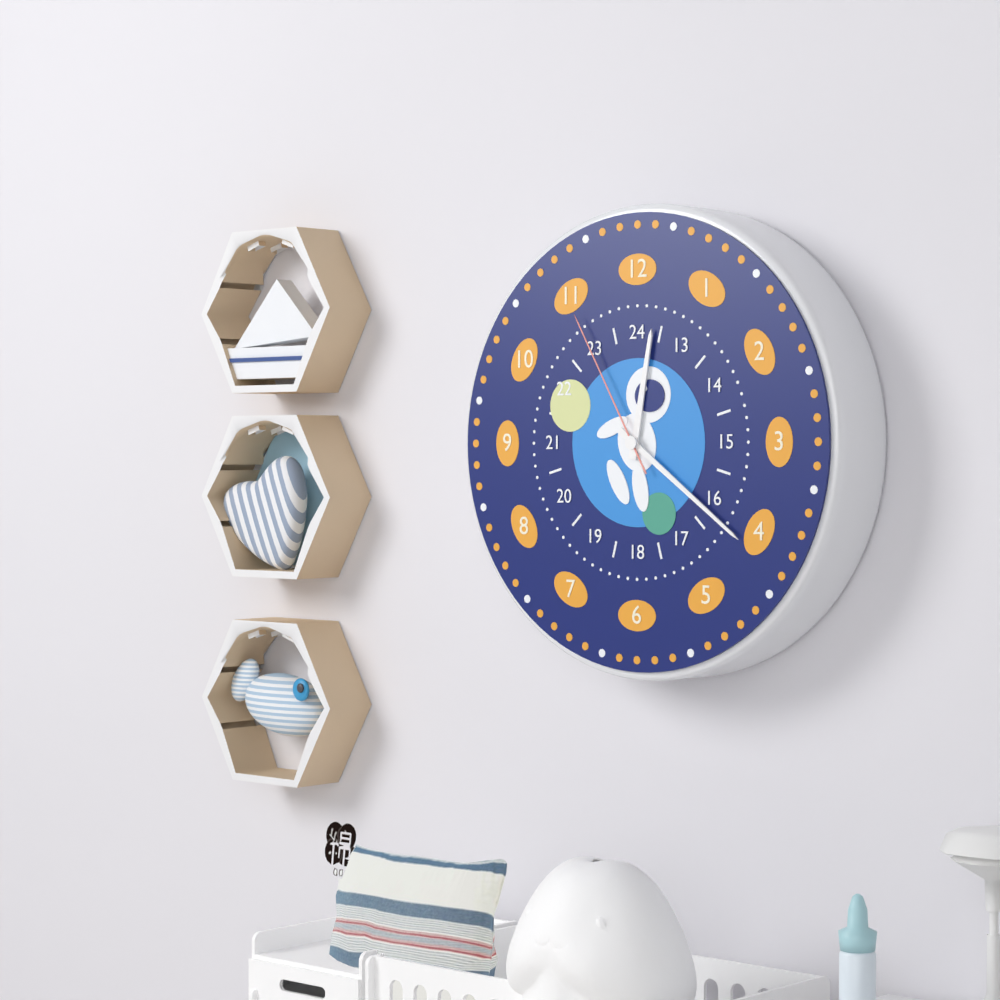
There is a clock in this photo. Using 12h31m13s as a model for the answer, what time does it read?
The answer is 12h21m55s
